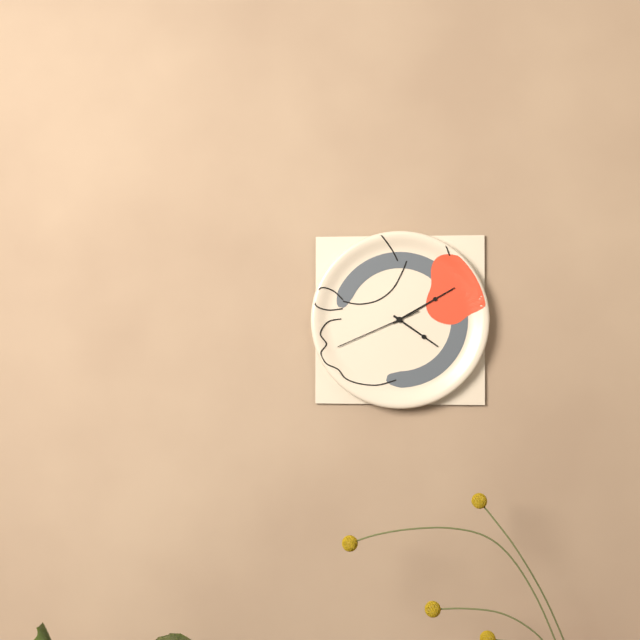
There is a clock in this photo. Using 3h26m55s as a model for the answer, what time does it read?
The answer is 4h10m41s
